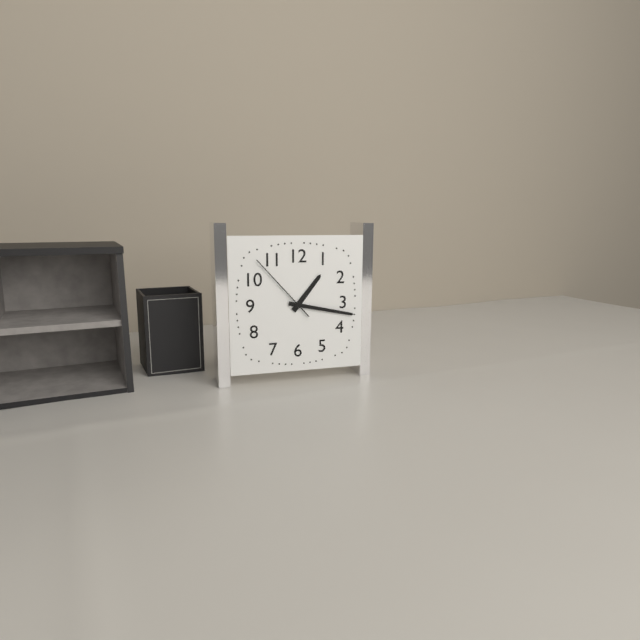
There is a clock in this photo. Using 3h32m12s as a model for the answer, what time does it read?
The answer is 1h17m53s
